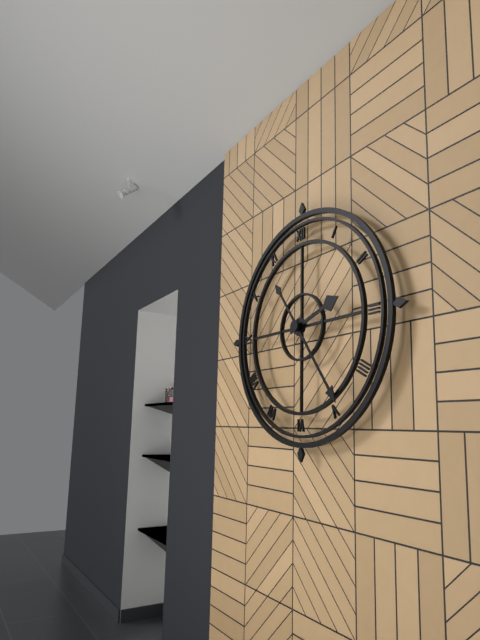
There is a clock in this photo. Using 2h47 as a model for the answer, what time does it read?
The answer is 2h24
